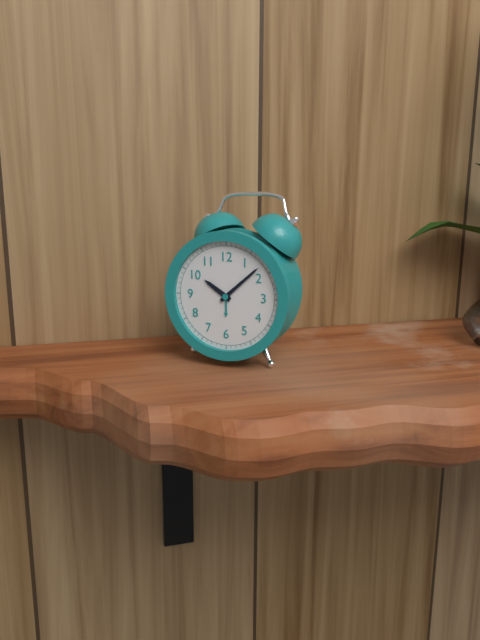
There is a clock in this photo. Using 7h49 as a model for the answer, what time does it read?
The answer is 10h08
